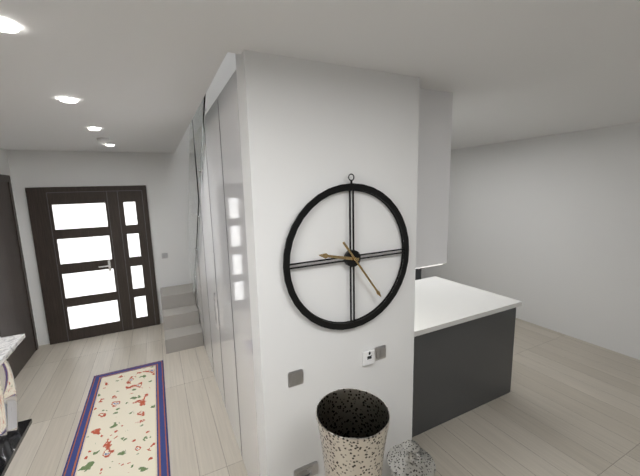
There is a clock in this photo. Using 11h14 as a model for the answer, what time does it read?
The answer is 9h24
